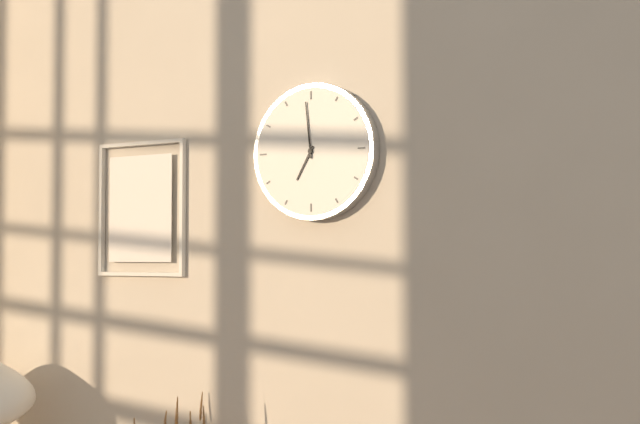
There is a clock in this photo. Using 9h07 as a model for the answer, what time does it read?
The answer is 6h59
